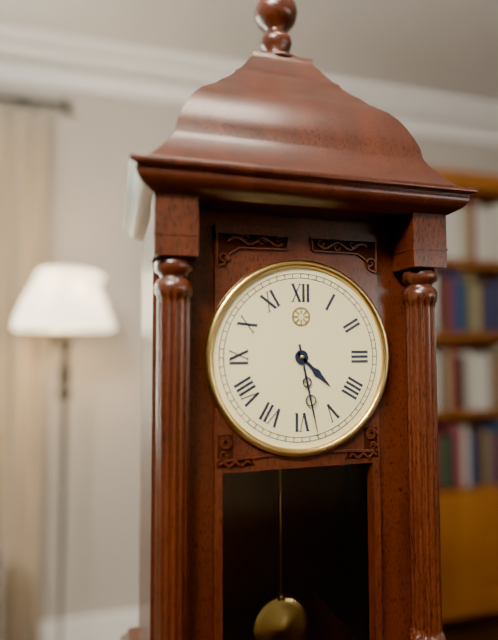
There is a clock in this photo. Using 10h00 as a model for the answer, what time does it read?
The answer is 4h28
